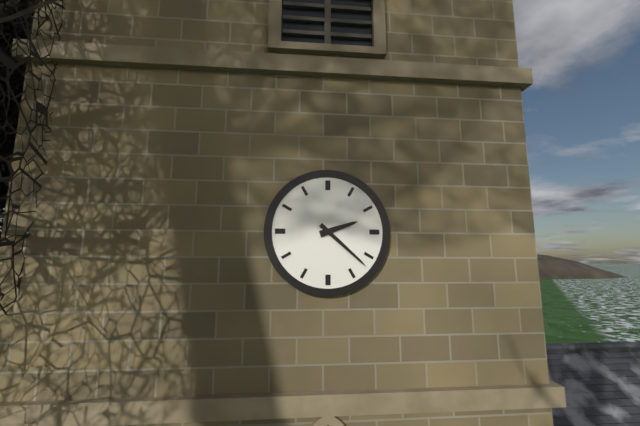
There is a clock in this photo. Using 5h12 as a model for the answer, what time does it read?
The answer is 2h22
